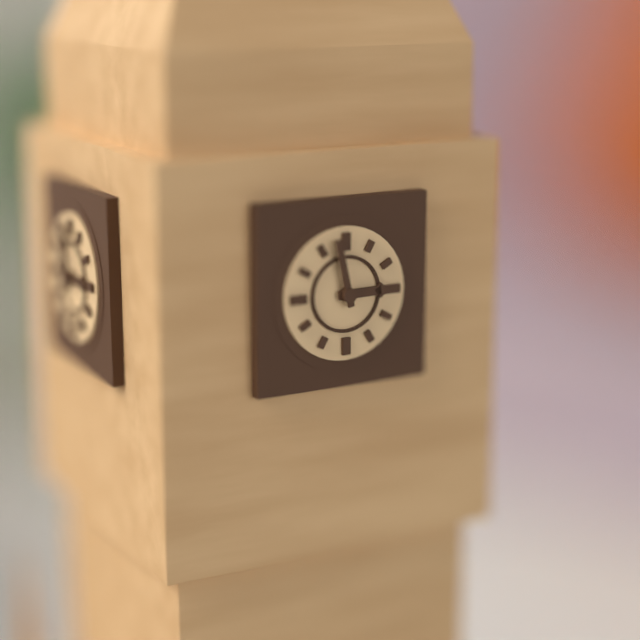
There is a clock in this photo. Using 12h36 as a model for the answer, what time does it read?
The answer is 2h58
